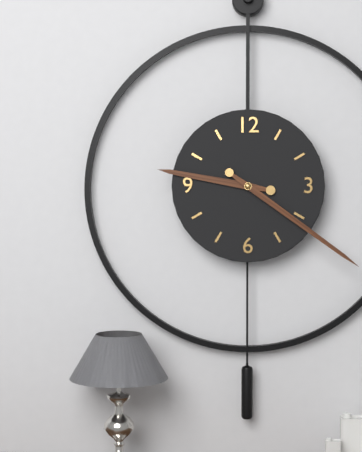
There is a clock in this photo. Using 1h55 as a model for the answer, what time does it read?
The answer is 9h21
